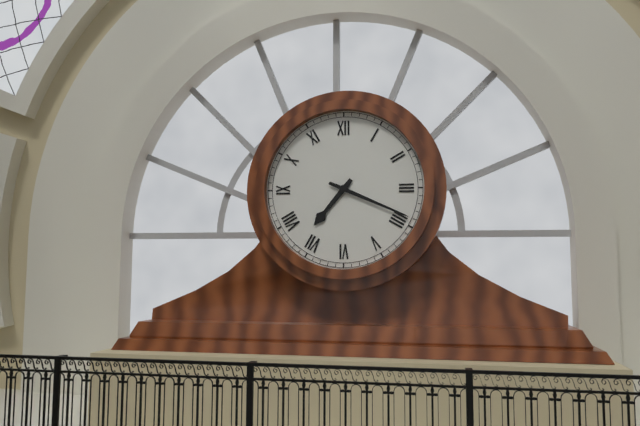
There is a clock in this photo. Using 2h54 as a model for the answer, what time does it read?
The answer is 7h19
